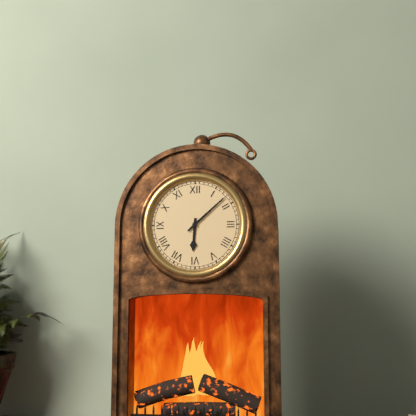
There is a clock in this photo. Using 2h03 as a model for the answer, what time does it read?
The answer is 6h08
